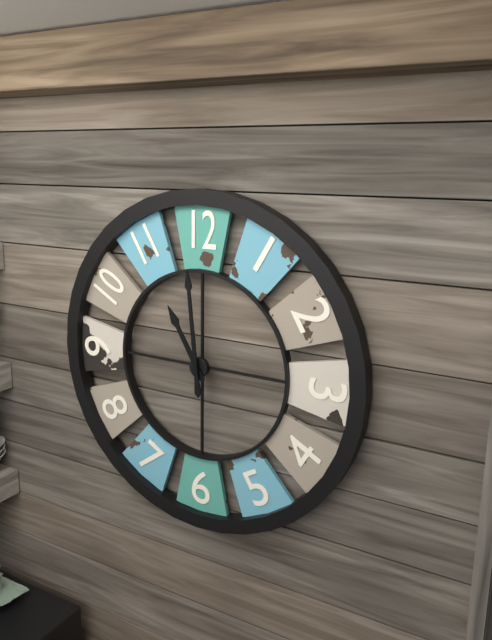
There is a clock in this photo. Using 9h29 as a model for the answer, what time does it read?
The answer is 10h59
